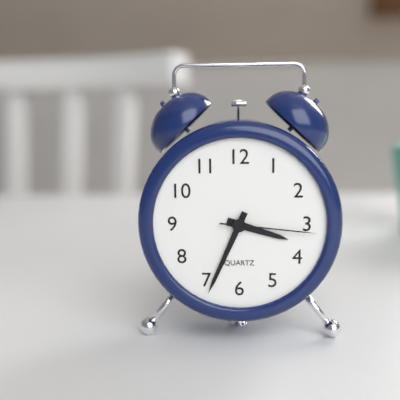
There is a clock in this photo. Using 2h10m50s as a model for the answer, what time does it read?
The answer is 3h34m16s
